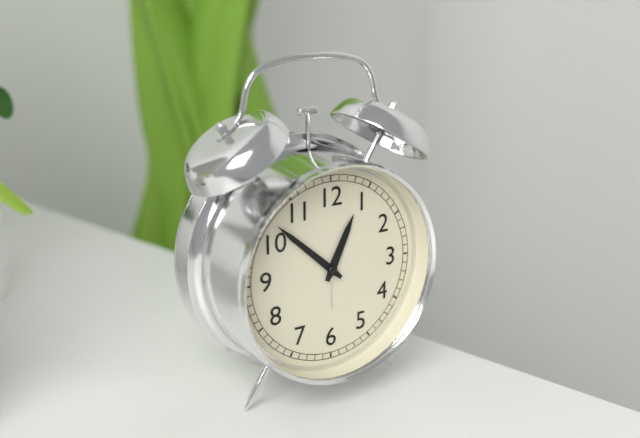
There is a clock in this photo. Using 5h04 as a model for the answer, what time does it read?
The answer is 12h52
